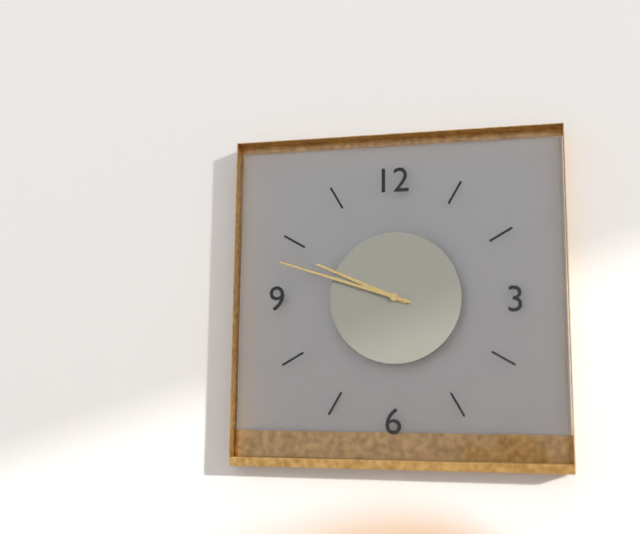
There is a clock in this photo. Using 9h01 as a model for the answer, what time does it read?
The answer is 9h48
